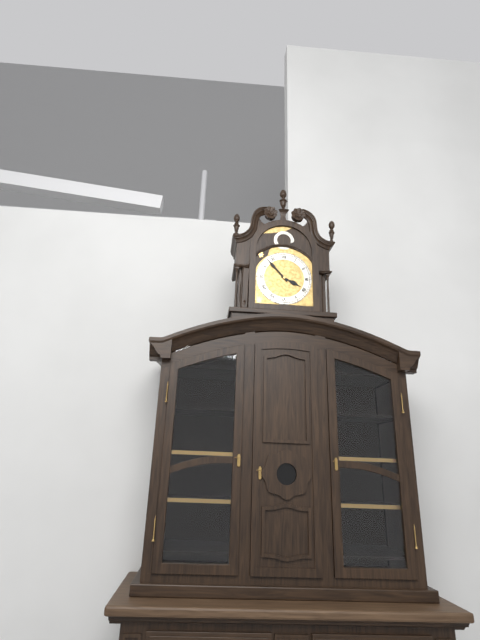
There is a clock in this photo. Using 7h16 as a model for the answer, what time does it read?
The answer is 3h53
